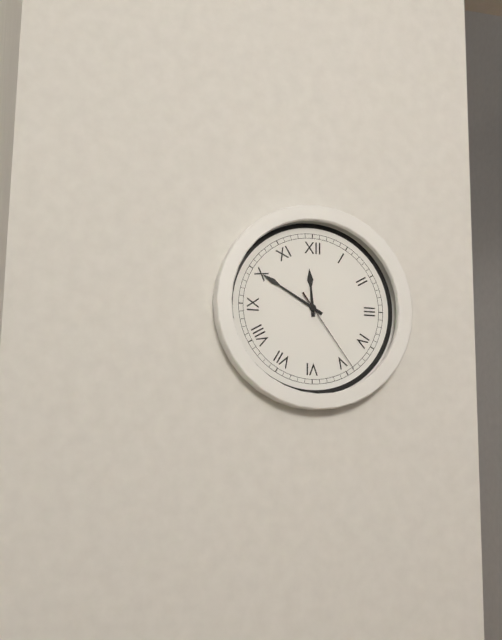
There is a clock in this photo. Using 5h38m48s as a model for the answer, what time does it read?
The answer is 11h50m24s
